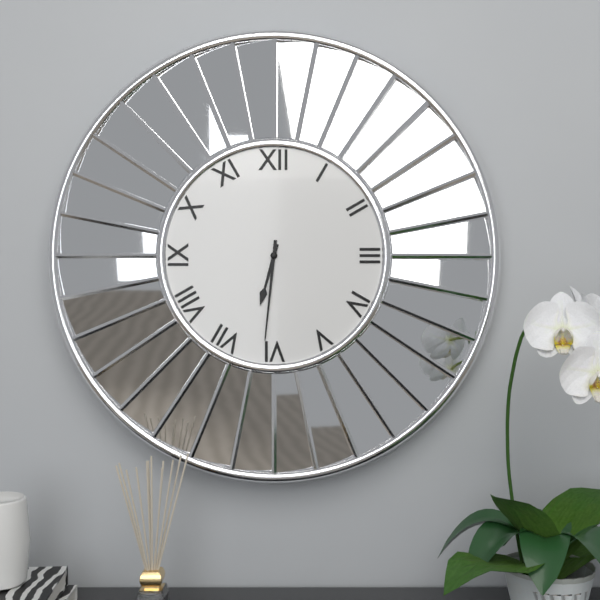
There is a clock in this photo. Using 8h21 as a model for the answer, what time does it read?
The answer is 6h31
